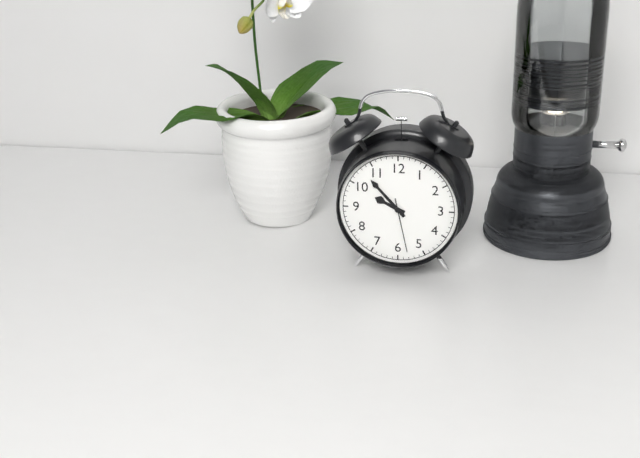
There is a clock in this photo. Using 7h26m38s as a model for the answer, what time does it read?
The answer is 9h53m28s
